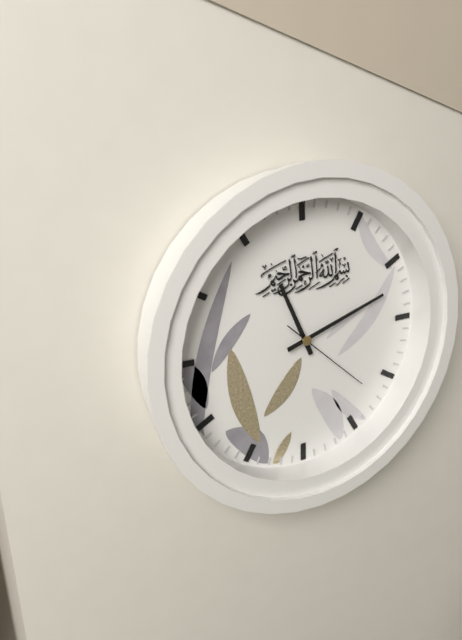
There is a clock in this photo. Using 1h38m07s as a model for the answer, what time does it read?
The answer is 11h12m22s
